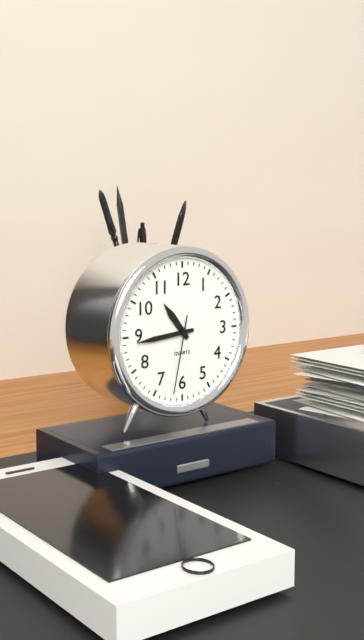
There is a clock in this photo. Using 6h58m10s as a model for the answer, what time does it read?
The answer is 10h44m32s
